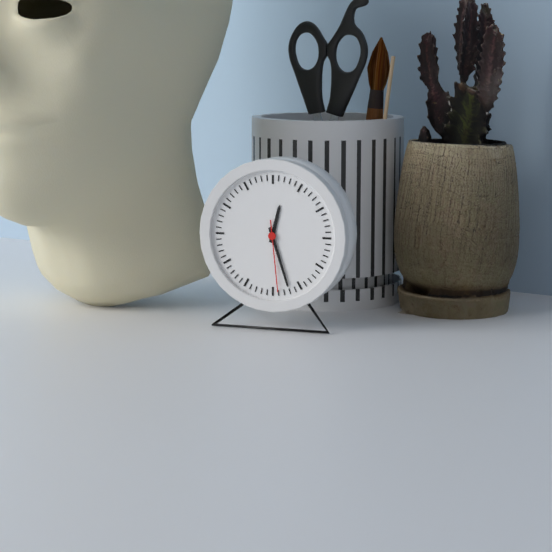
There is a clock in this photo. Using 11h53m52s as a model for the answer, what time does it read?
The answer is 12h27m29s
